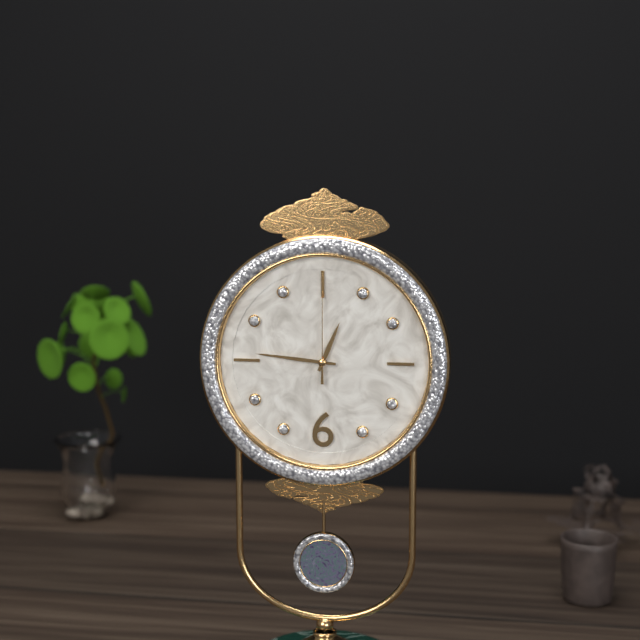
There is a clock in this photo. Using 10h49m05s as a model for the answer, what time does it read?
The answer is 12h46m00s
